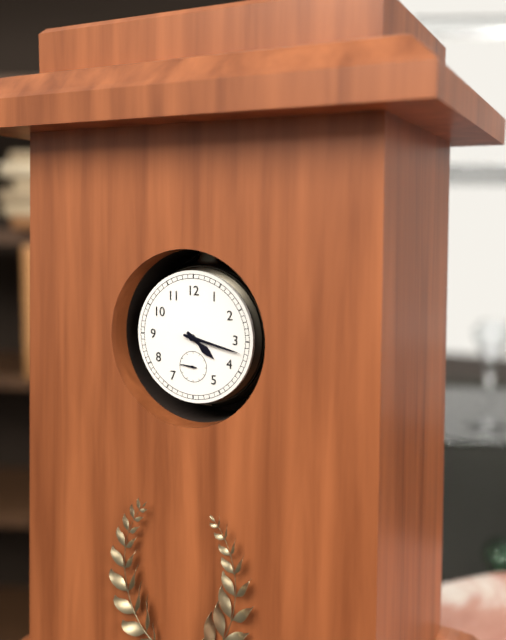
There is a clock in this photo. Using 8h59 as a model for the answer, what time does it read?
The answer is 4h17
